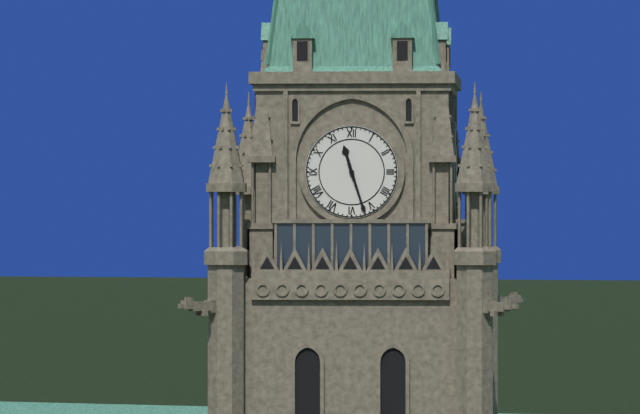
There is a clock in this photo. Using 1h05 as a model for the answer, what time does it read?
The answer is 11h27
